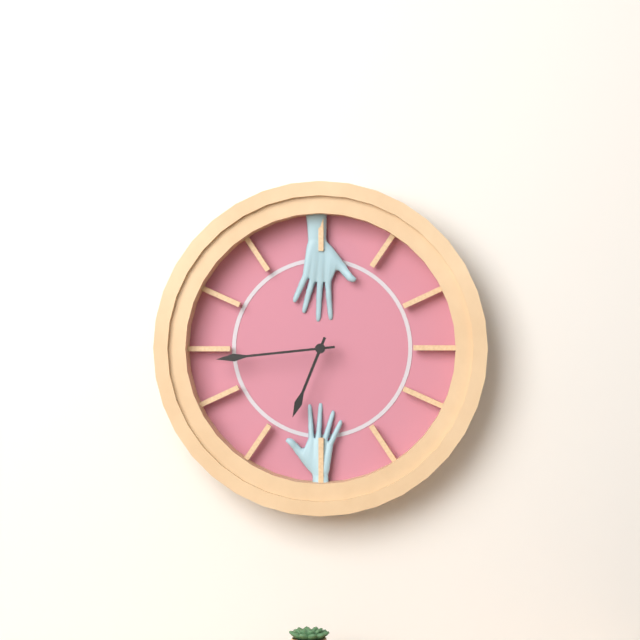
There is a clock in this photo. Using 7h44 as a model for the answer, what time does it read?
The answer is 6h44
